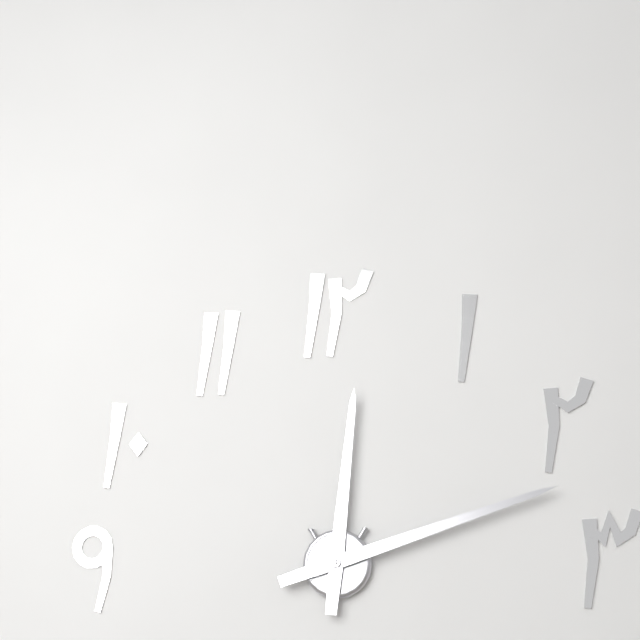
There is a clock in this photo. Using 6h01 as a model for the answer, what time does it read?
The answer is 12h12
